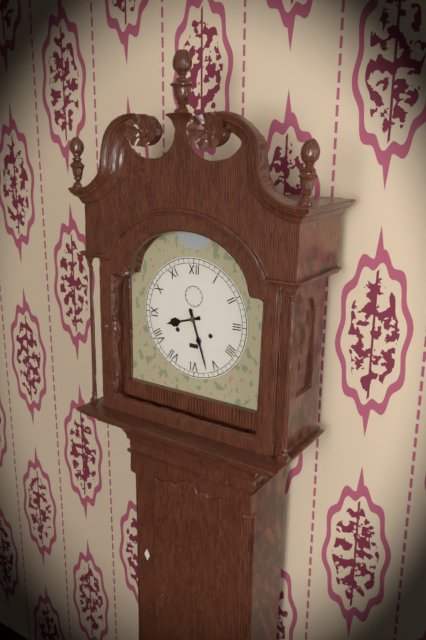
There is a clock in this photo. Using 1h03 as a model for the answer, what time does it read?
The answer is 8h27
